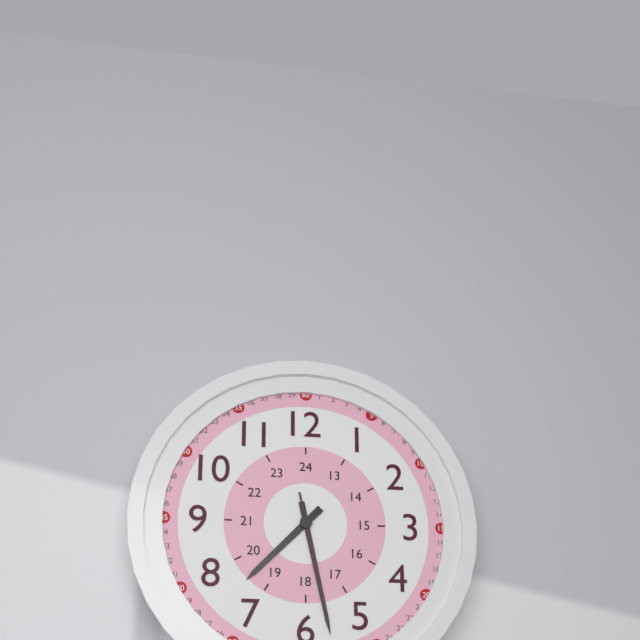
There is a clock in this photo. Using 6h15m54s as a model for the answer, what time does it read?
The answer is 7h28m28s
